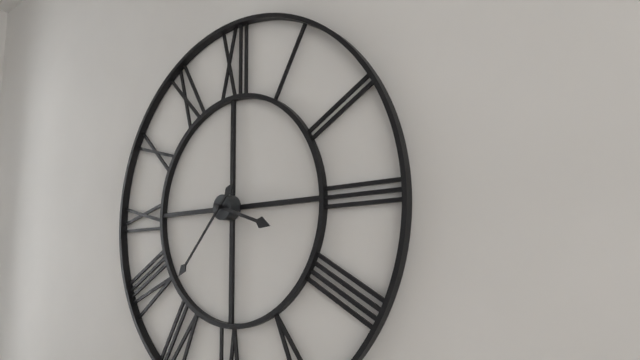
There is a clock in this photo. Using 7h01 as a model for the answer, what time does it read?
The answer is 3h37
